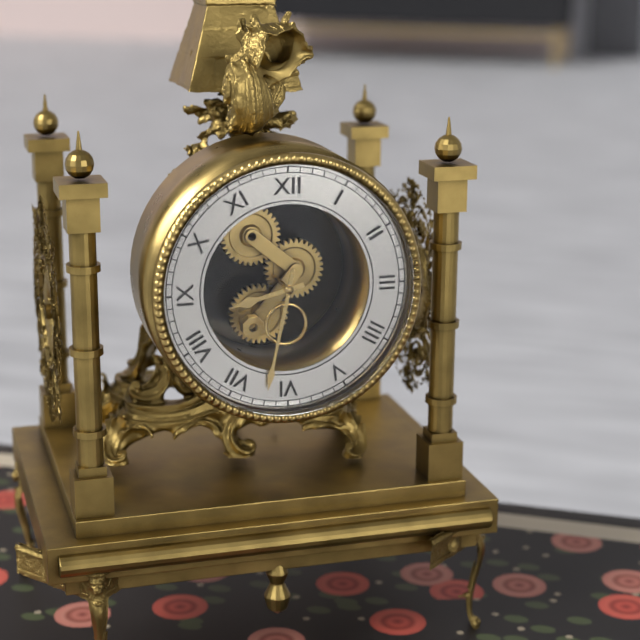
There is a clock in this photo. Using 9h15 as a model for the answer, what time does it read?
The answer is 8h32
